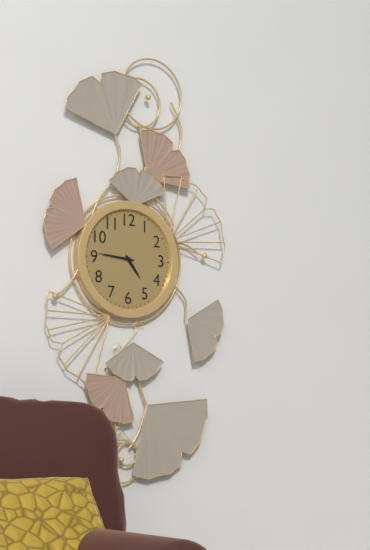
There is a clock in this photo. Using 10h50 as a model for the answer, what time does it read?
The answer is 4h46
